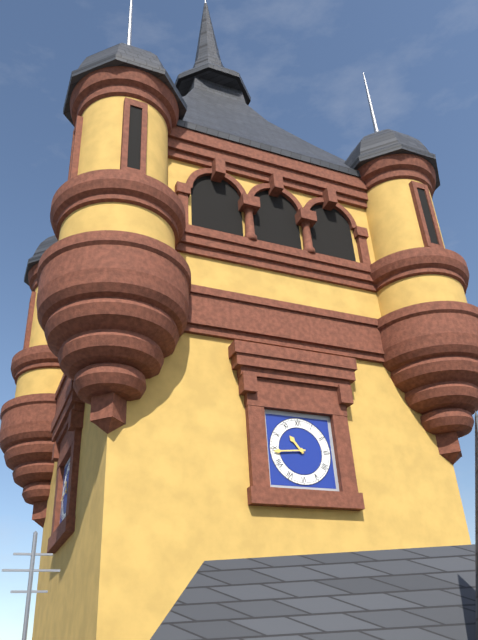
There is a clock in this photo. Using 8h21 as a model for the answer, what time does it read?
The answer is 10h44
